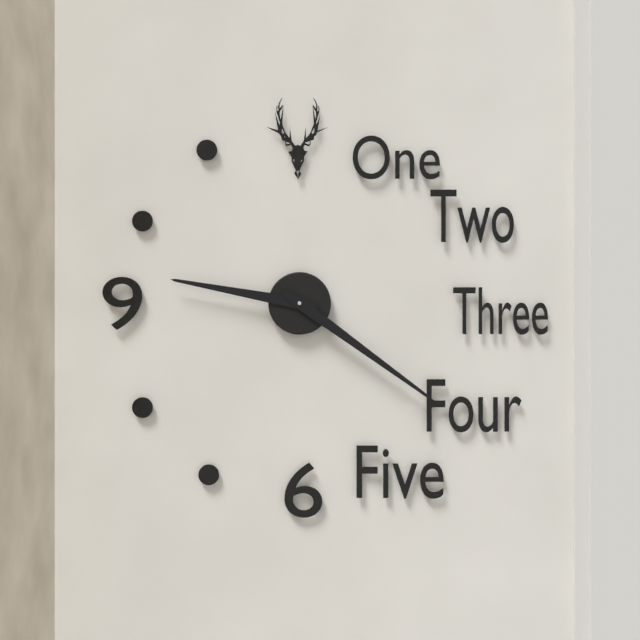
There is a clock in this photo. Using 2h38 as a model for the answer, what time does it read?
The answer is 9h21
